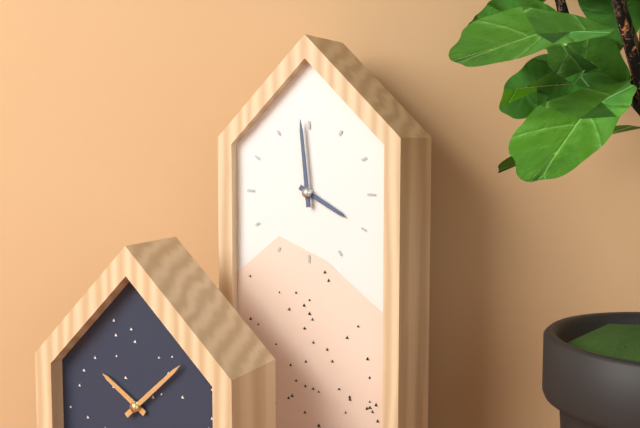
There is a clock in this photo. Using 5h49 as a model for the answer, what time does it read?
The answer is 3h59
